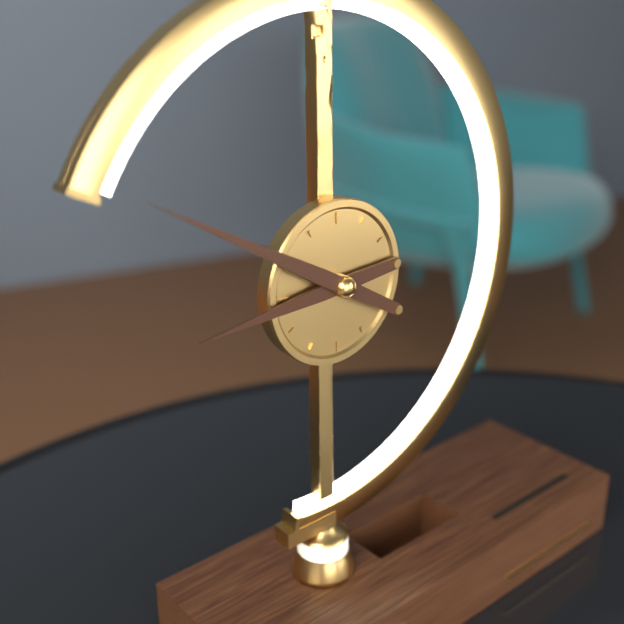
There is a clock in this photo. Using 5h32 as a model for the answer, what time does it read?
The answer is 8h50
